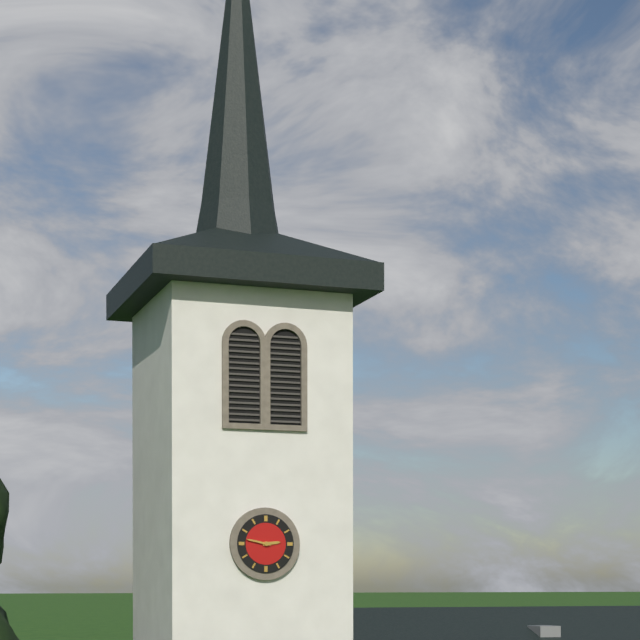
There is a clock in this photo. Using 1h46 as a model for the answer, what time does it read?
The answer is 2h47
